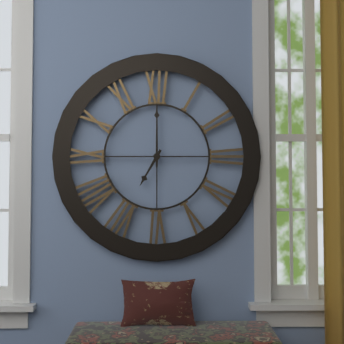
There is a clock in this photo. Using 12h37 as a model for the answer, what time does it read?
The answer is 7h00
